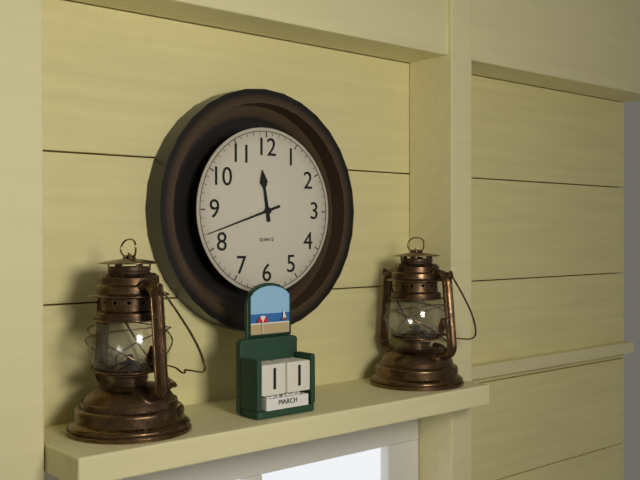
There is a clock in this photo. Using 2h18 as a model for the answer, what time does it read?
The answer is 11h42
